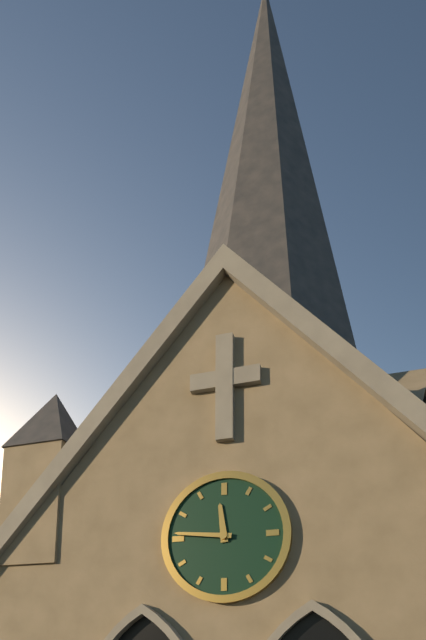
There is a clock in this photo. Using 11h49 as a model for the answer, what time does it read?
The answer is 11h46
